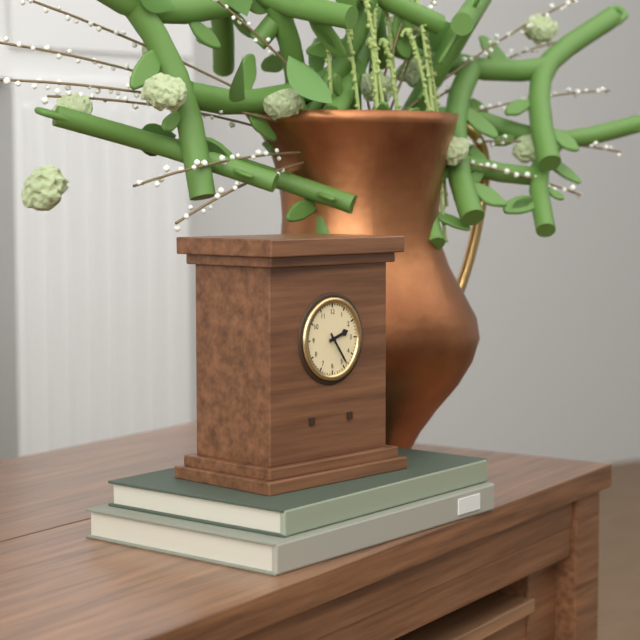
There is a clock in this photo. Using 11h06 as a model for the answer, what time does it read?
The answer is 2h24
